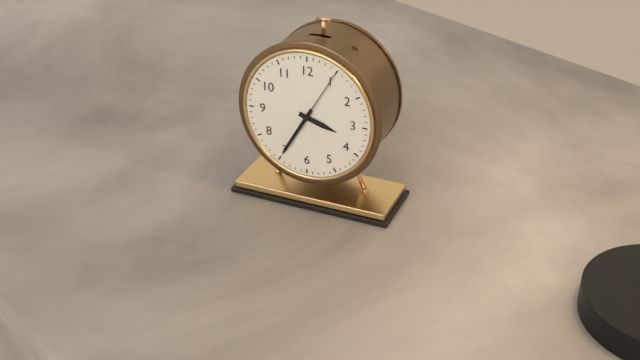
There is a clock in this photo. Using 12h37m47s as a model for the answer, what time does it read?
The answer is 3h35m05s
